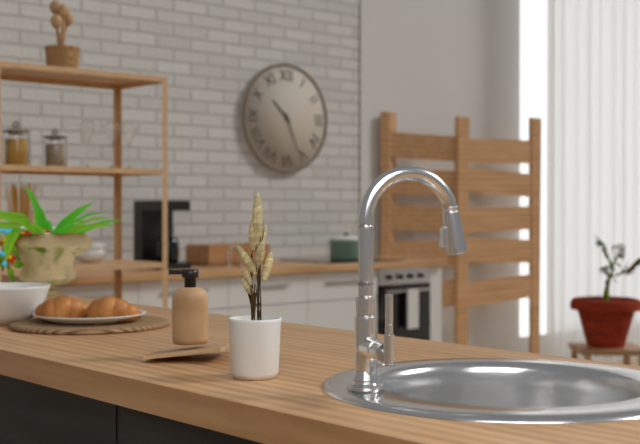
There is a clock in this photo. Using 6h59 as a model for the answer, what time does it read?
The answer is 10h26
